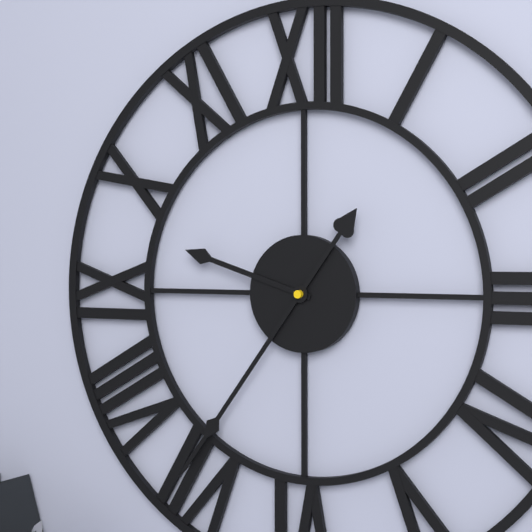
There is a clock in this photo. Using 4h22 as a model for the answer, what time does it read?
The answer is 9h36
